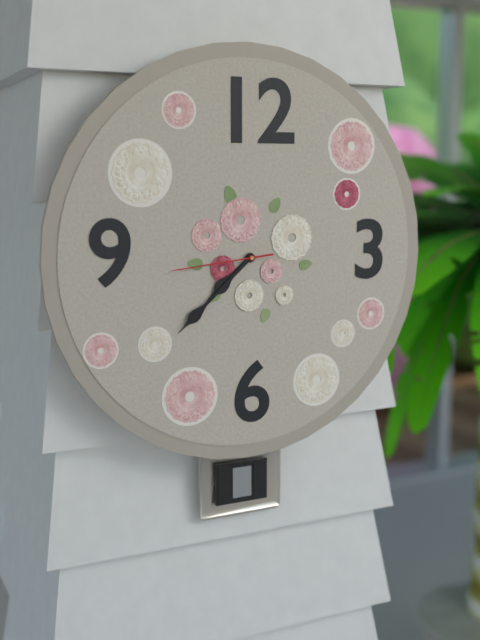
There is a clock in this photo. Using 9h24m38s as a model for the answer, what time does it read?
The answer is 7h38m44s
